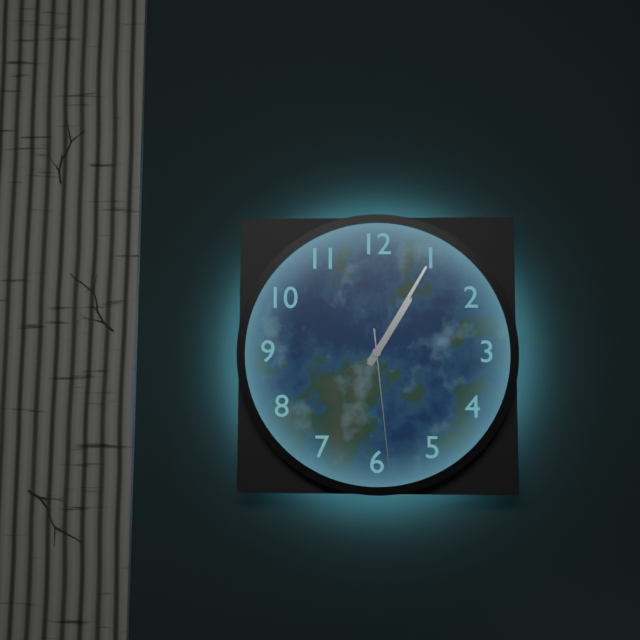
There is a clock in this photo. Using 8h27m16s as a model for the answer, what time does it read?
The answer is 1h05m29s
